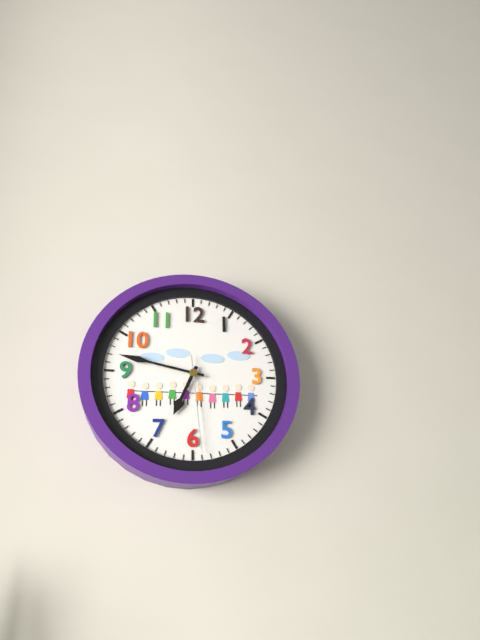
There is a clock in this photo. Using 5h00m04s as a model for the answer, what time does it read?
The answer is 6h47m29s
